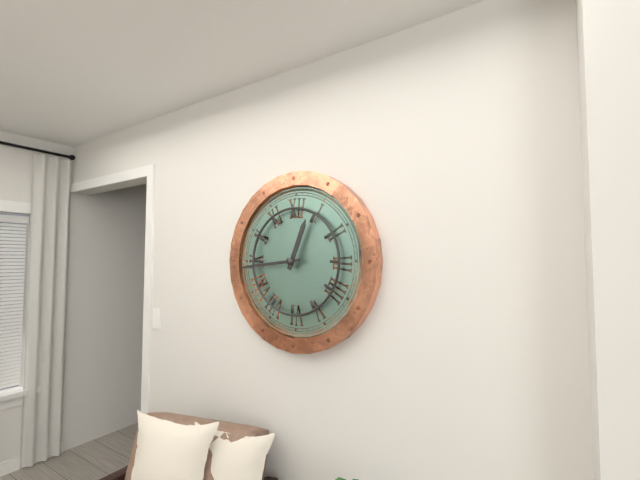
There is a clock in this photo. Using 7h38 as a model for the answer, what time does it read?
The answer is 12h44
